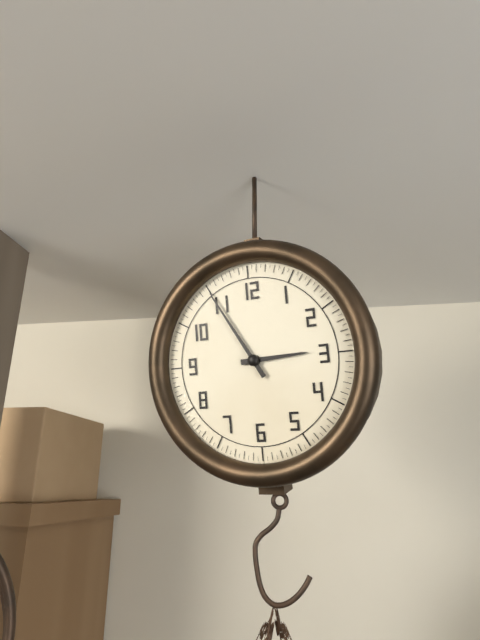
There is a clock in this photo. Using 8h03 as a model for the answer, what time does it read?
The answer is 2h55
